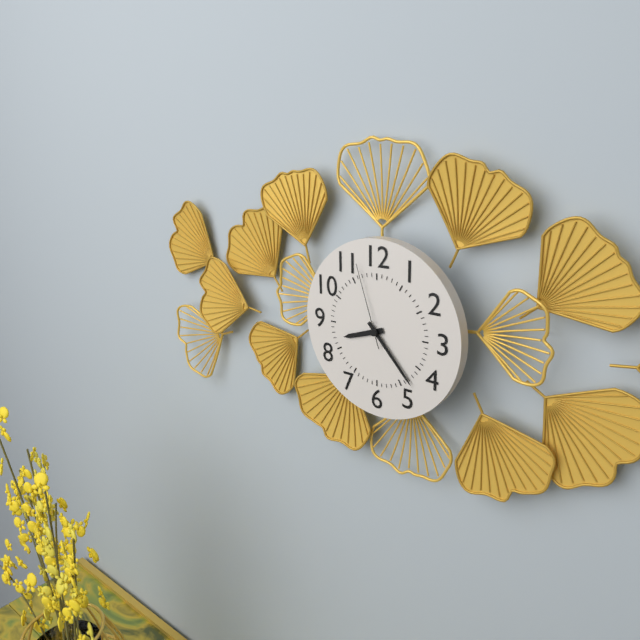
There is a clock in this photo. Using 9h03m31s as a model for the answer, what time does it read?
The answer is 8h23m57s
